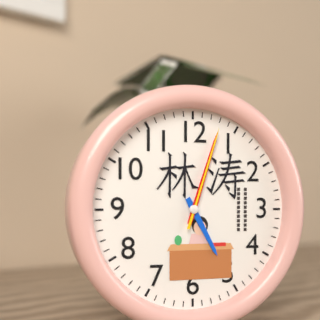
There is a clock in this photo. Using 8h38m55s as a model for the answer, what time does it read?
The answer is 5h03m03s
